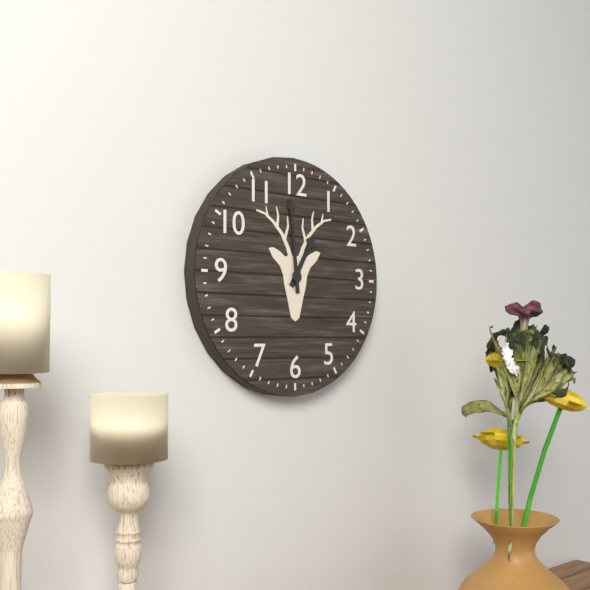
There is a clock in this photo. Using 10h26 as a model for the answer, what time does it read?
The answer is 12h59
